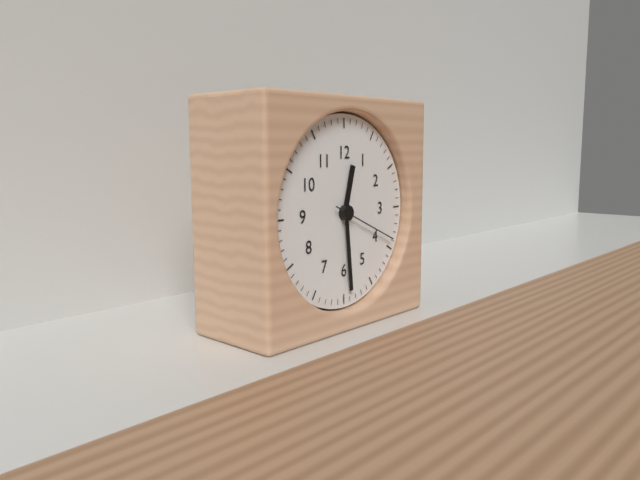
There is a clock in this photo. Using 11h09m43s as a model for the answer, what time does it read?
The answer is 12h29m19s
